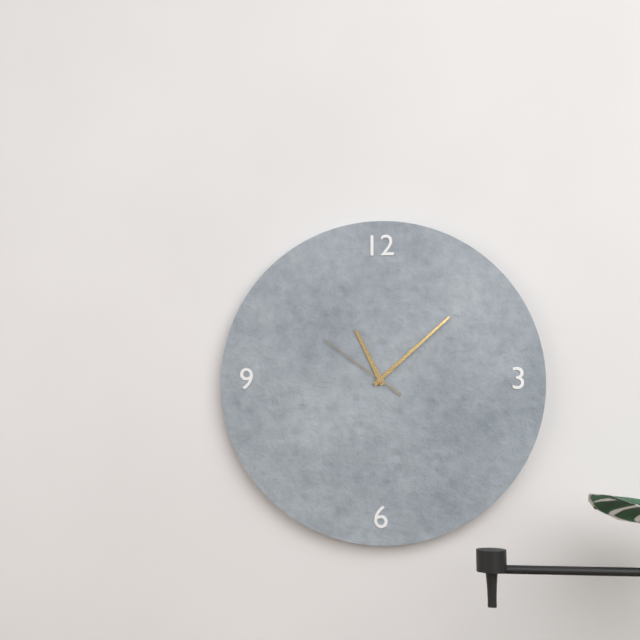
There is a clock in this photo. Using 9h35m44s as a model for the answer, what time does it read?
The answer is 11h08m51s
